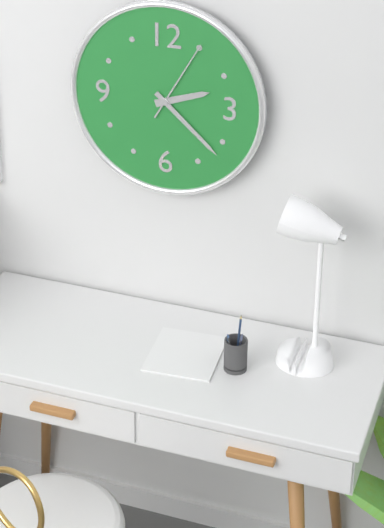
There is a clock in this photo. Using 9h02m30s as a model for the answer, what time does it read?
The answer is 2h22m05s
